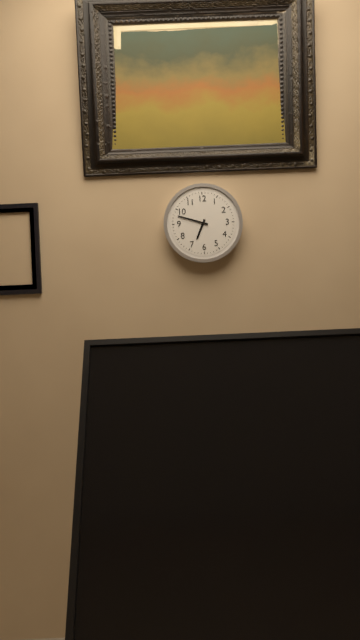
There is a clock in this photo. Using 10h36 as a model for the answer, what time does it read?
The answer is 6h48
